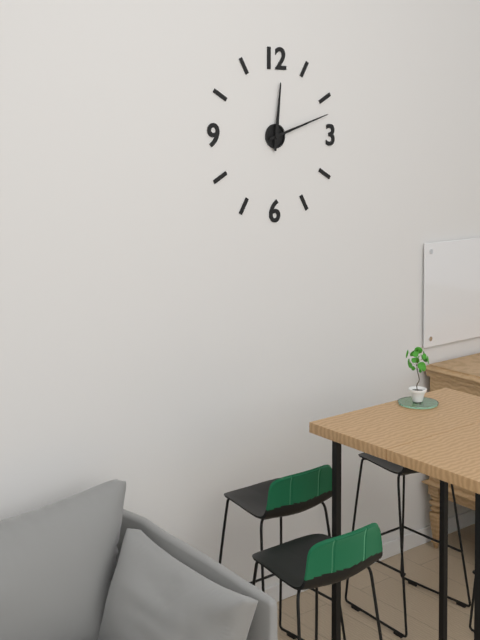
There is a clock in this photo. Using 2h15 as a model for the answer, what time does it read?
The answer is 12h12
